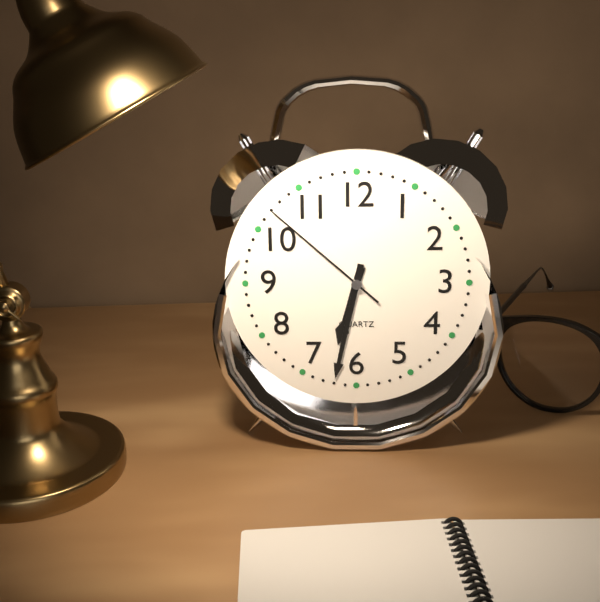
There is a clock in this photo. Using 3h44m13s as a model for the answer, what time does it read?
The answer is 6h32m52s
